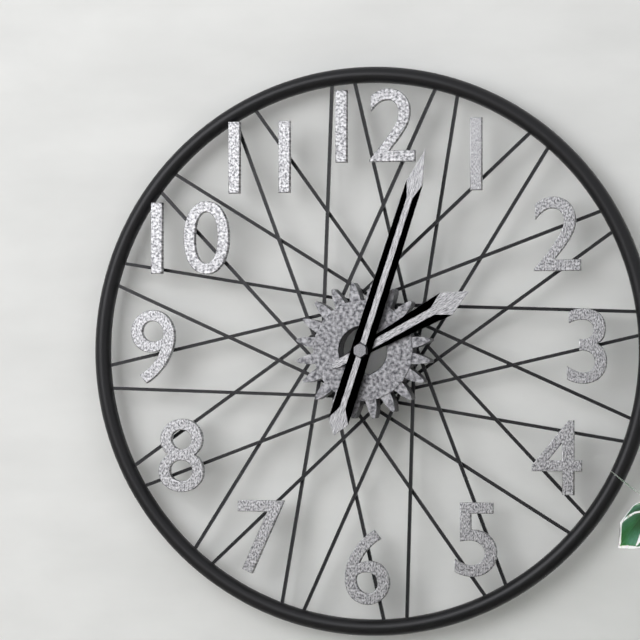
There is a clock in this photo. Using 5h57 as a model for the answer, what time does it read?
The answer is 2h03
